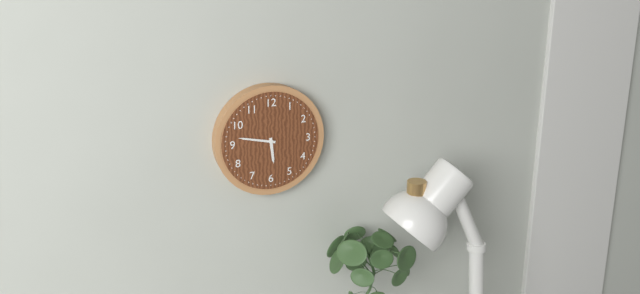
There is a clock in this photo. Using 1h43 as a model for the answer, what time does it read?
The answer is 5h47
